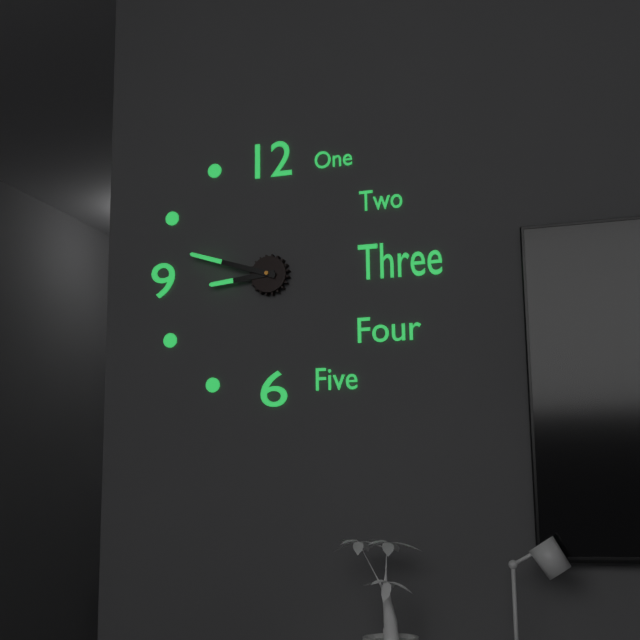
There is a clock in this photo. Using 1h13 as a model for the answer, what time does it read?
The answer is 8h48
